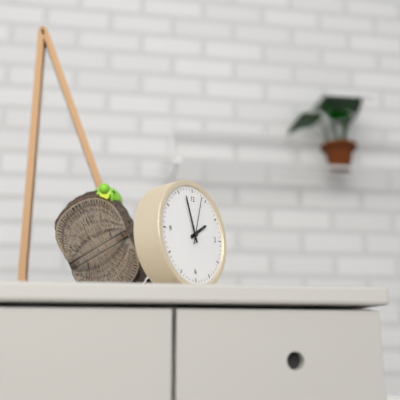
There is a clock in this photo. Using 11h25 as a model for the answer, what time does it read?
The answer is 1h57
